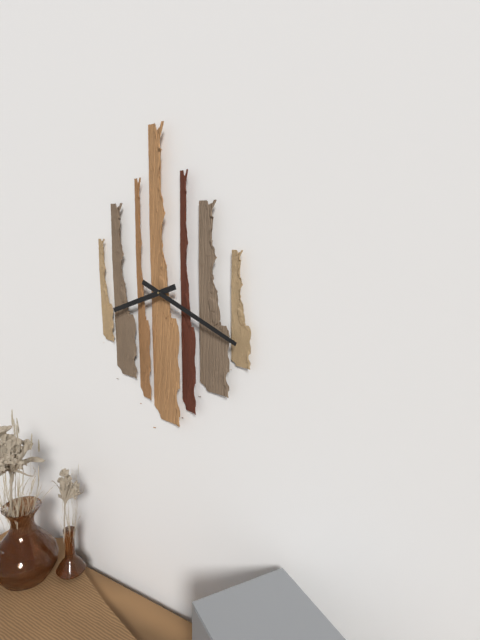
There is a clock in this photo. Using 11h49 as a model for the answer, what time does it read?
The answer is 8h19
